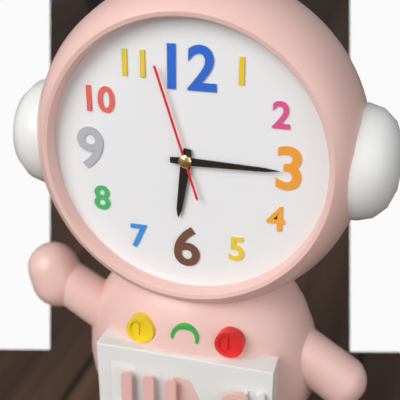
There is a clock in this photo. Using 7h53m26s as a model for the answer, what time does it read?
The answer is 6h15m57s
